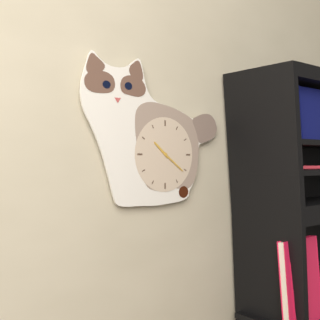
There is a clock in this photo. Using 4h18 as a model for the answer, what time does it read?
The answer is 10h21
